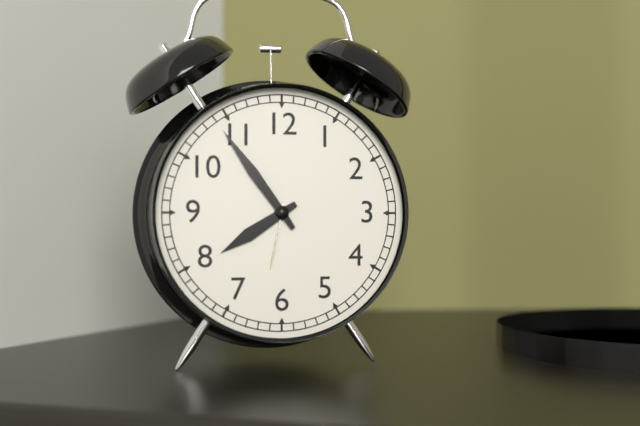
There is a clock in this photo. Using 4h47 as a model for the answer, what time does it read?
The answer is 7h54
